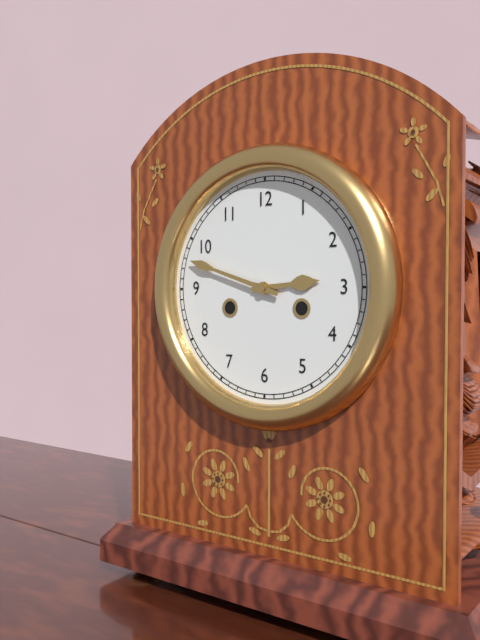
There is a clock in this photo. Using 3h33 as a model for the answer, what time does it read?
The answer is 2h48
